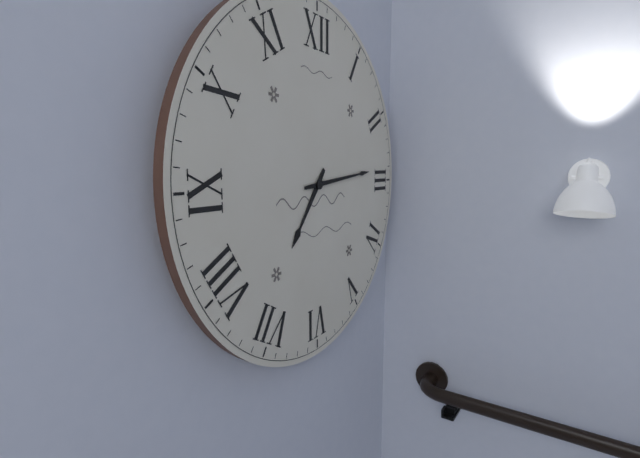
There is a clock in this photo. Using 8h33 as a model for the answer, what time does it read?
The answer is 7h14
